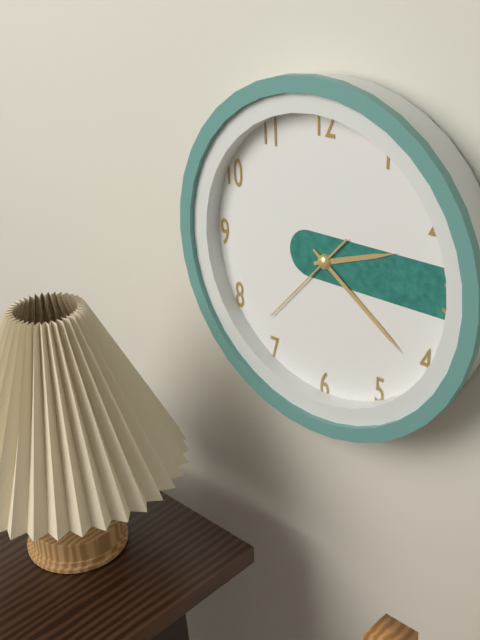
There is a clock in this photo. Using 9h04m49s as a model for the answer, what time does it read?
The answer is 2h21m37s
